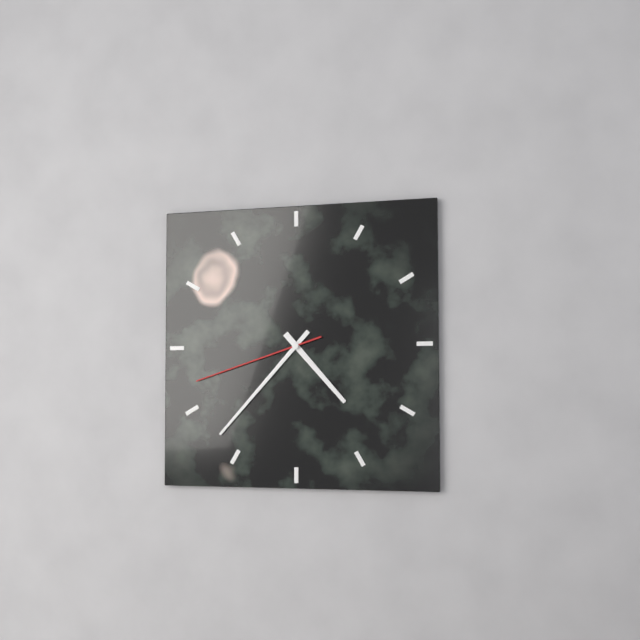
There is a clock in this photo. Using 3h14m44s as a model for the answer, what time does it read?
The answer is 4h37m42s
